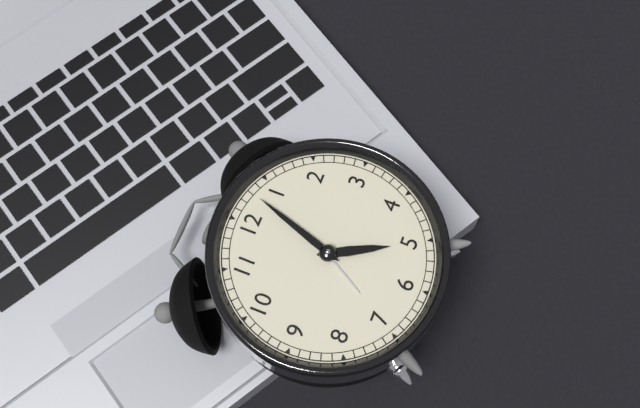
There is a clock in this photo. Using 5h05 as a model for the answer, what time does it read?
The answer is 5h03
